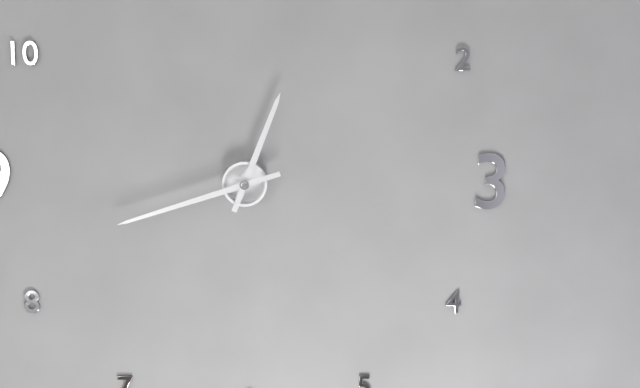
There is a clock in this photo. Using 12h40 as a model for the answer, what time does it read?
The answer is 12h42
